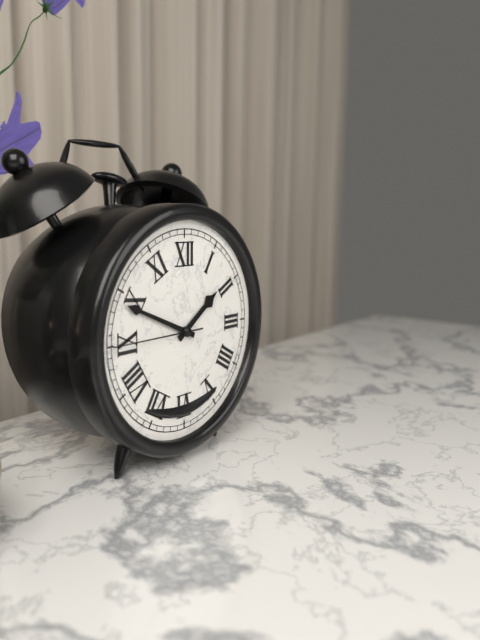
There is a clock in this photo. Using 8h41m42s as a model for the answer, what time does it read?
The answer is 1h49m45s
